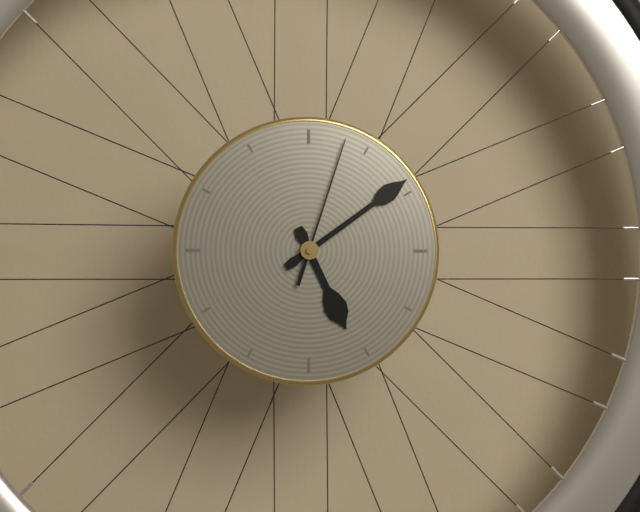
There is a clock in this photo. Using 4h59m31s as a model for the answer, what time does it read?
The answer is 5h09m03s
